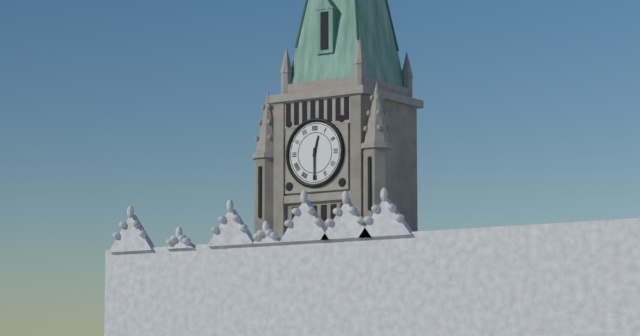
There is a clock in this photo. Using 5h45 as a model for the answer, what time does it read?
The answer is 12h30
